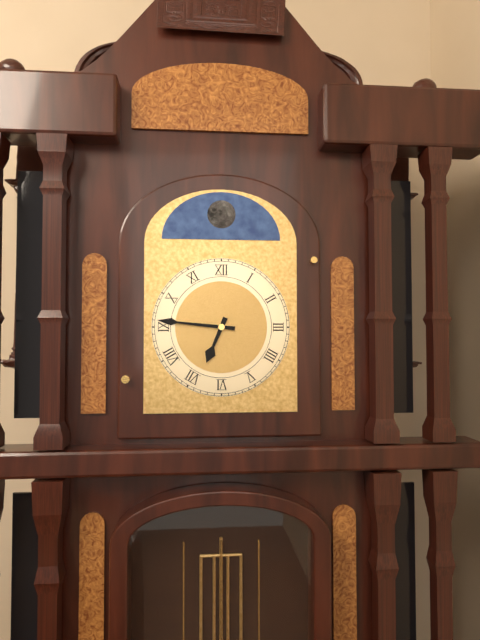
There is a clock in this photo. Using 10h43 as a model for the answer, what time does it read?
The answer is 6h46
